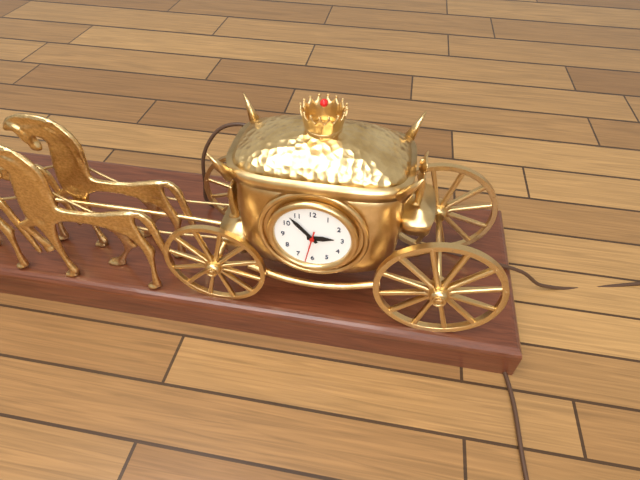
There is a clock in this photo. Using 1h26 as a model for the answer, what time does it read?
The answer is 2h53
